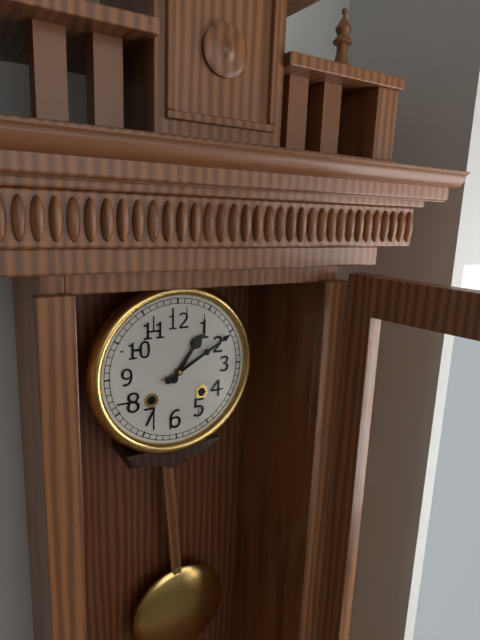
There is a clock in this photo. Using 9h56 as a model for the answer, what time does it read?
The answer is 1h10
